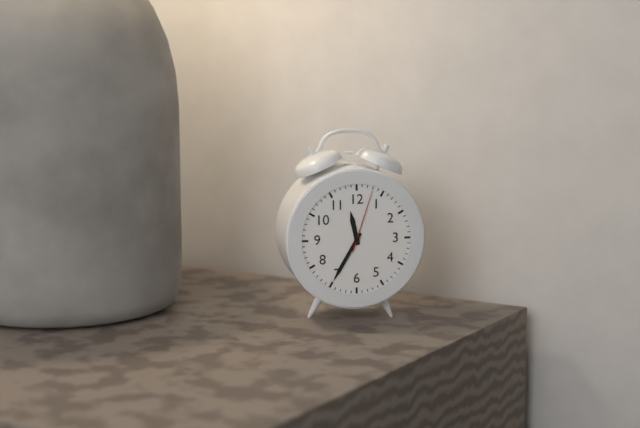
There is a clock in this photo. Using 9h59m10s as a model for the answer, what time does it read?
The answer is 11h35m03s
